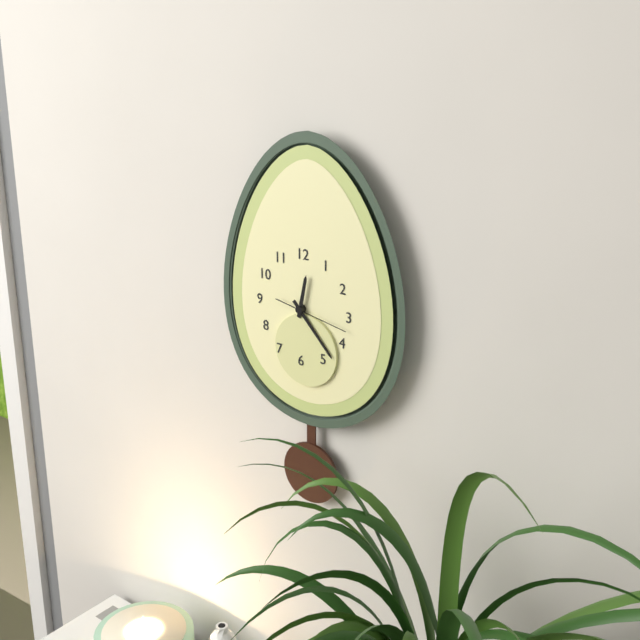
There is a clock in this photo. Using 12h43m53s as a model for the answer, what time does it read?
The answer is 12h23m17s
